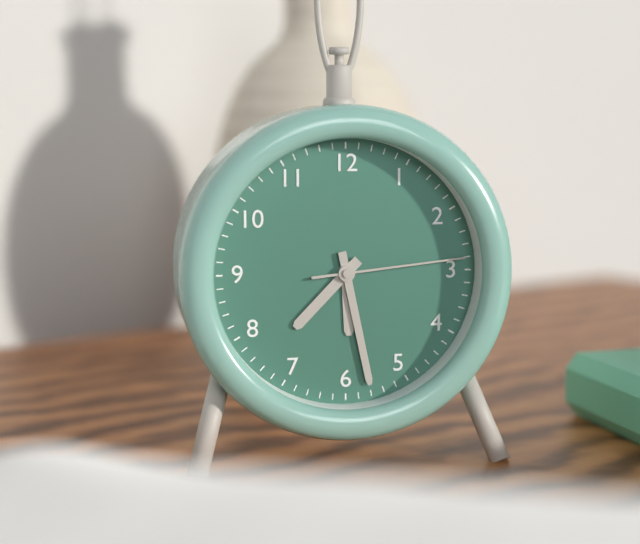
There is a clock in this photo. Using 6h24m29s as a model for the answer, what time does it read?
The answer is 7h28m14s
